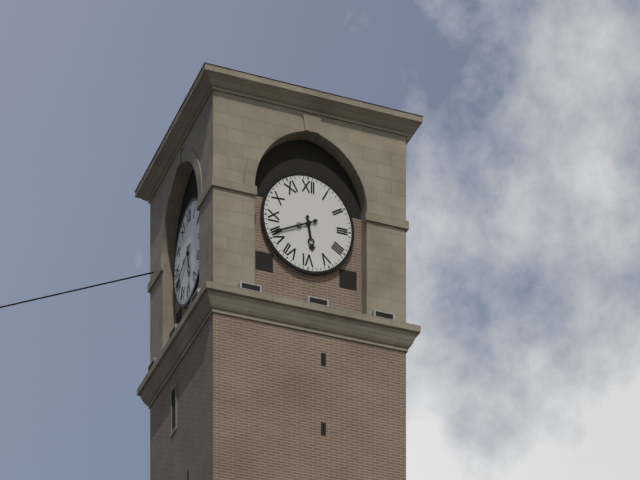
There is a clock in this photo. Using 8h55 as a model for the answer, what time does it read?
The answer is 5h41
